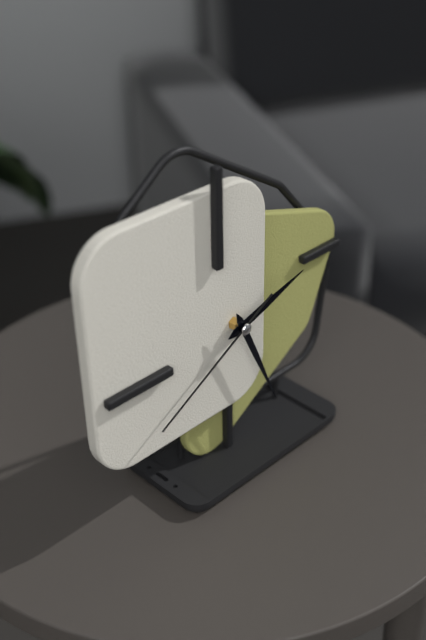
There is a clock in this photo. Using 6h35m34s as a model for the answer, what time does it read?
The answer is 2h26m40s
